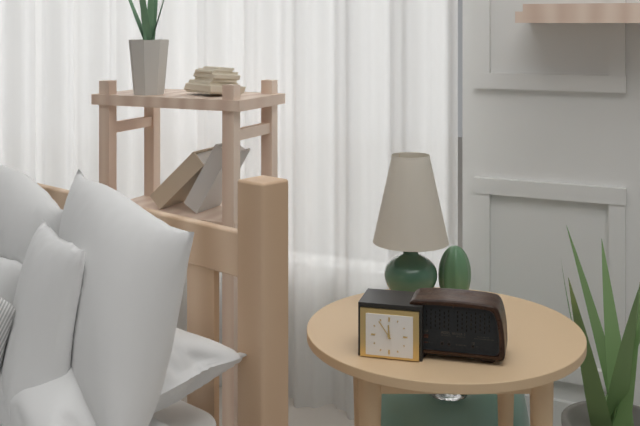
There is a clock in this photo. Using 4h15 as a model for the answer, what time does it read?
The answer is 11h54
